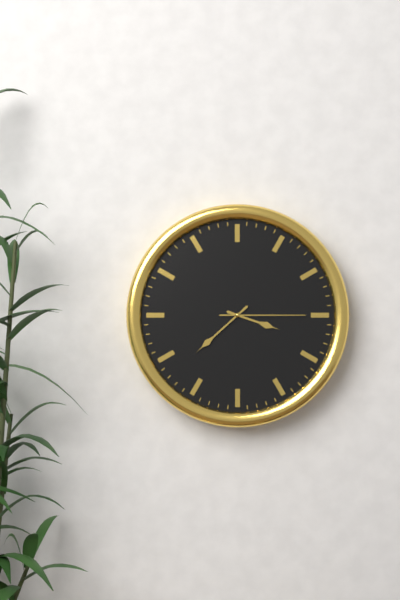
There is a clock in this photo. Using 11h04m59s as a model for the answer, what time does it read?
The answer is 3h38m15s
